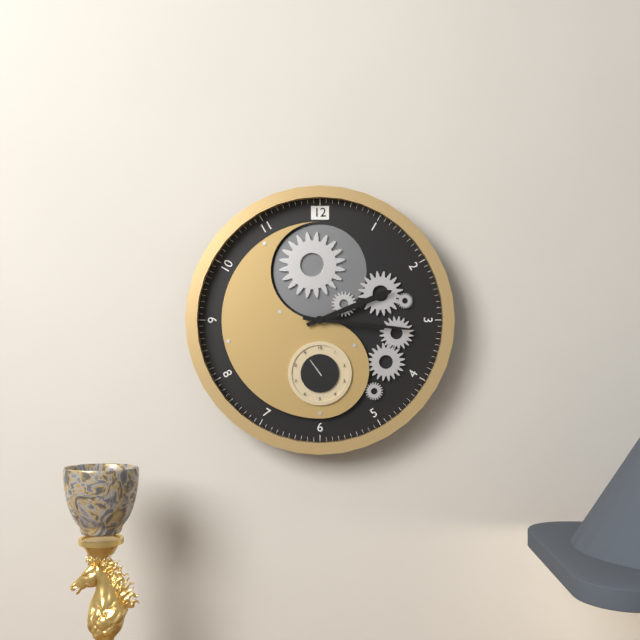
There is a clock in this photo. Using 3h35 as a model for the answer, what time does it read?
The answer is 2h16
